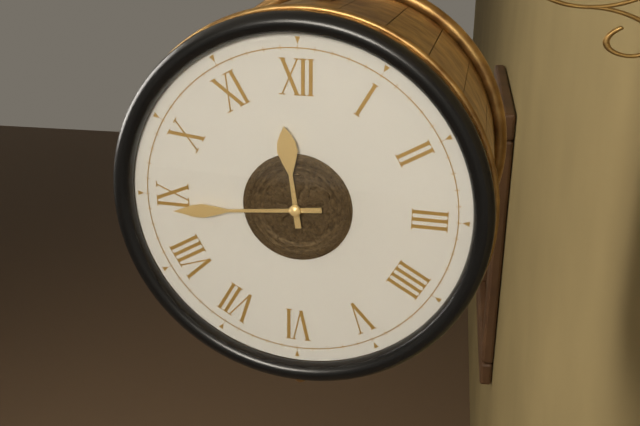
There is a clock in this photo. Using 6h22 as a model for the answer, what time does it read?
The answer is 11h44
